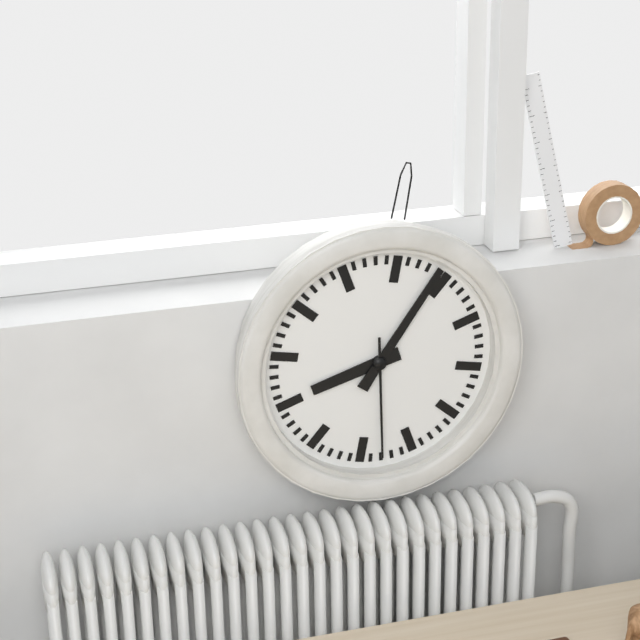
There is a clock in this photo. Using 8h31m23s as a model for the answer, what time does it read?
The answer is 8h04m28s
